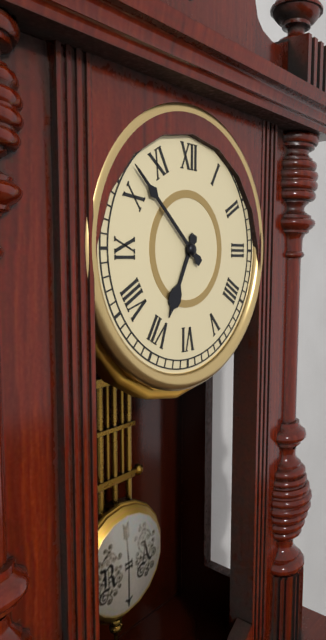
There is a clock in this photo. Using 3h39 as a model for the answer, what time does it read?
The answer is 6h52
